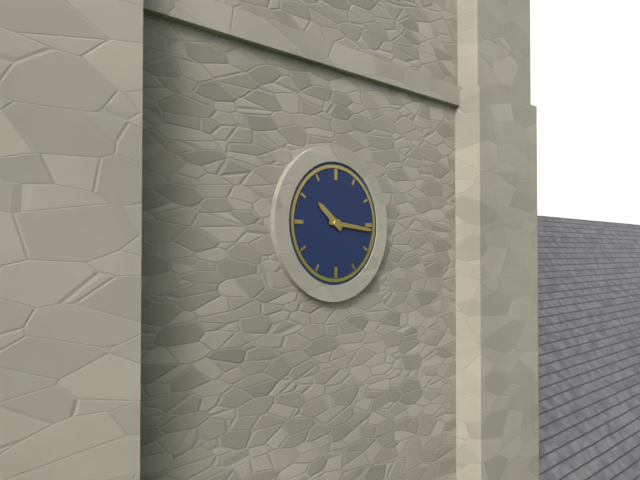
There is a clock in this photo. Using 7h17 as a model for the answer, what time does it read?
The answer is 10h16
